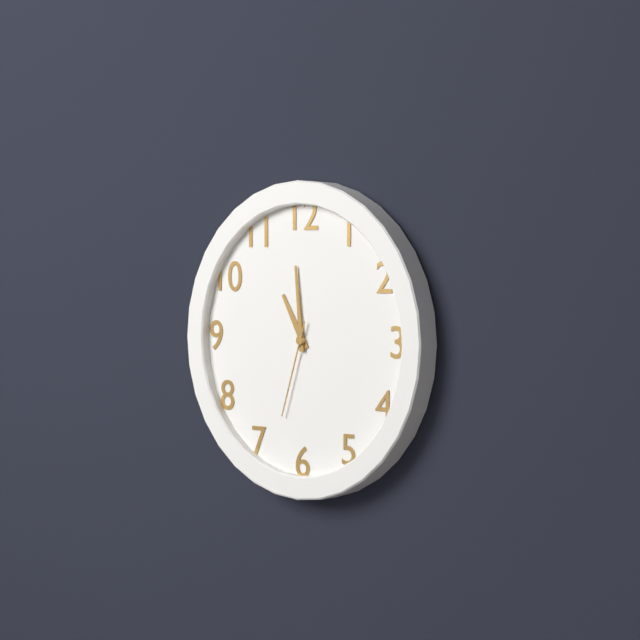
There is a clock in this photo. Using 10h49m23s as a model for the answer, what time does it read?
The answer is 10h59m33s
